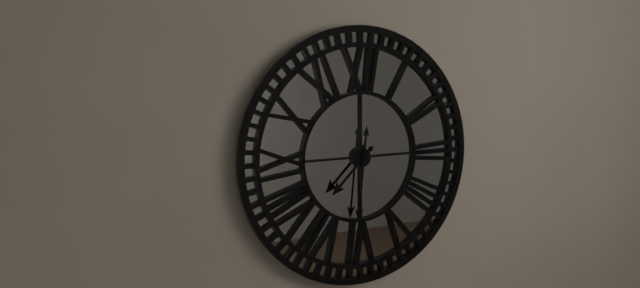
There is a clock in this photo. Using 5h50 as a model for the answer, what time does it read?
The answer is 7h31
